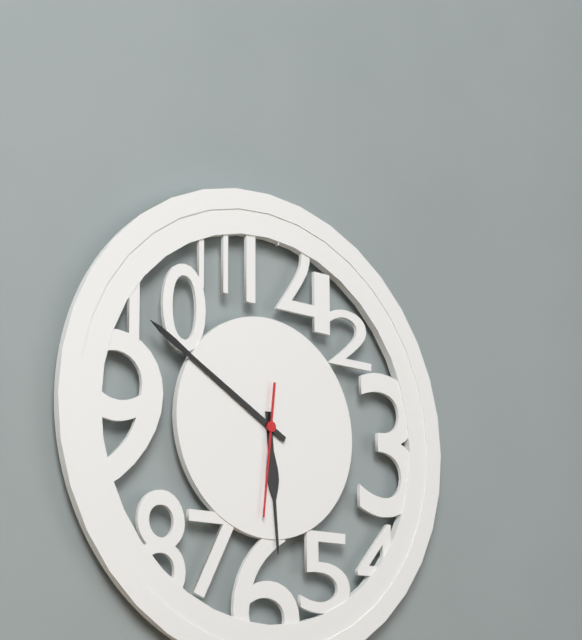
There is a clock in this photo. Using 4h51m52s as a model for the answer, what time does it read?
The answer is 5h50m31s
